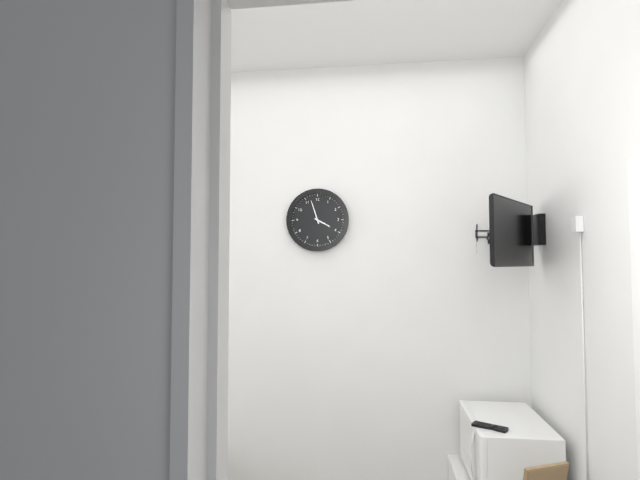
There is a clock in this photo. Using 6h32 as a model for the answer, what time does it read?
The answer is 3h57
